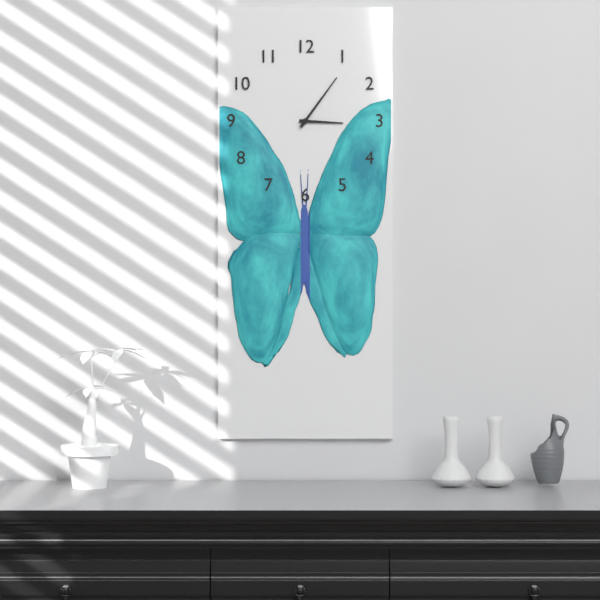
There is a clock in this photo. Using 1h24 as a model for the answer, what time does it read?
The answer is 3h06
